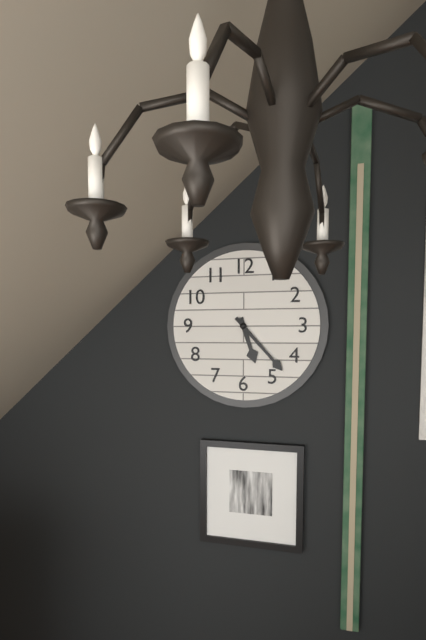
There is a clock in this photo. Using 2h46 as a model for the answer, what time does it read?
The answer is 5h23
